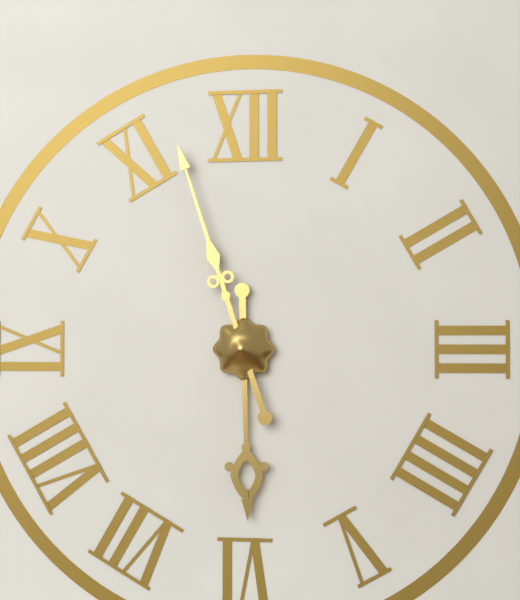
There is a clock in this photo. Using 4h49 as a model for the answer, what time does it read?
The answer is 5h57
